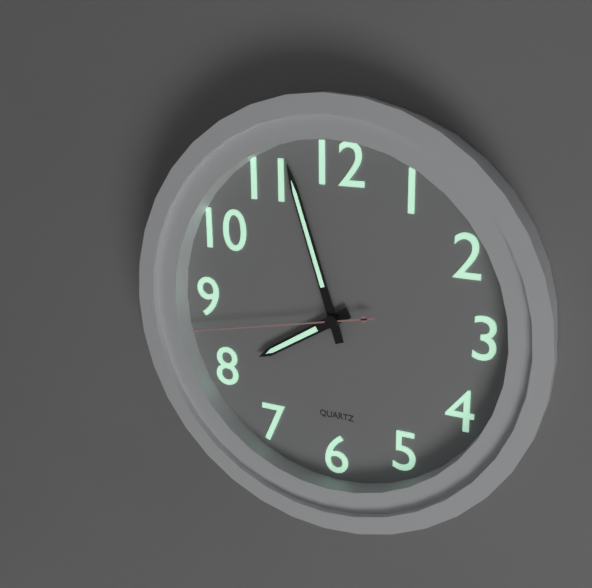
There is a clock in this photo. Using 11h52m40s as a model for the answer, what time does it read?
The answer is 7h57m43s
